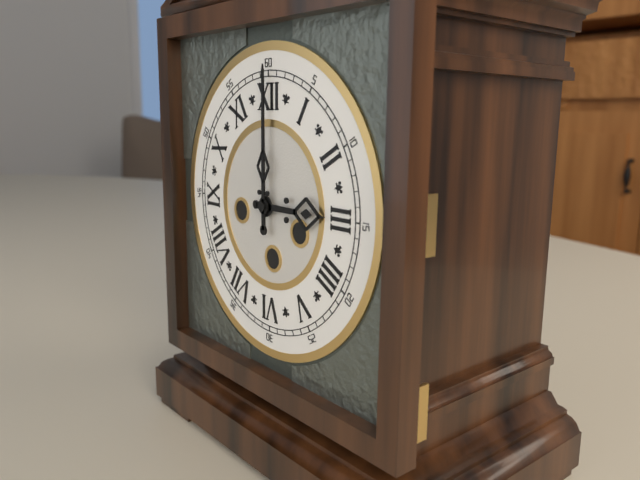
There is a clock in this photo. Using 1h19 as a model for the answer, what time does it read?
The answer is 3h00
